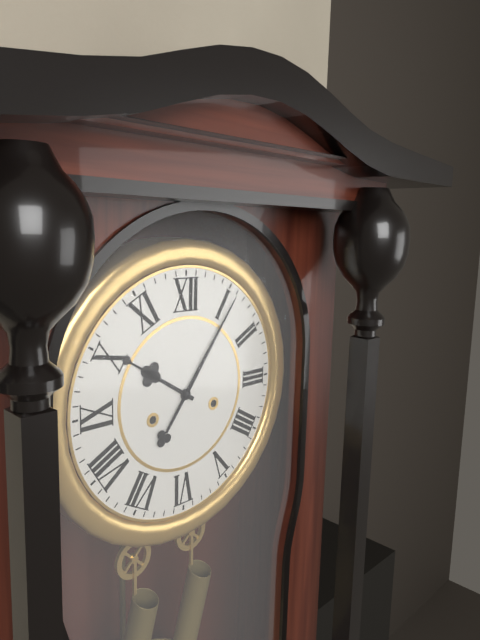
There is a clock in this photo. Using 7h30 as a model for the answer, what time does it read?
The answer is 10h06
